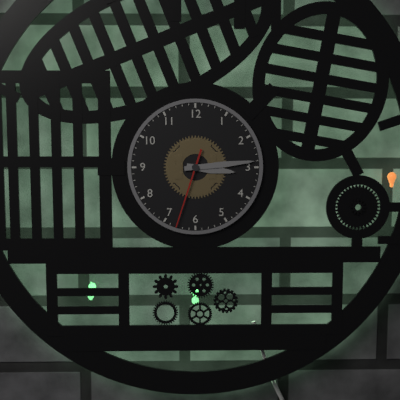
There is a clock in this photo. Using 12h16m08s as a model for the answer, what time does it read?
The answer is 3h14m33s
